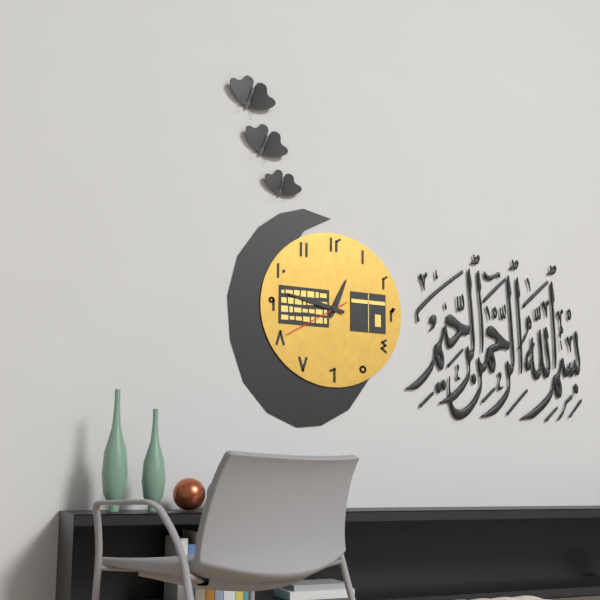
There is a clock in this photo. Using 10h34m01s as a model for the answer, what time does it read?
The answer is 12h47m40s
